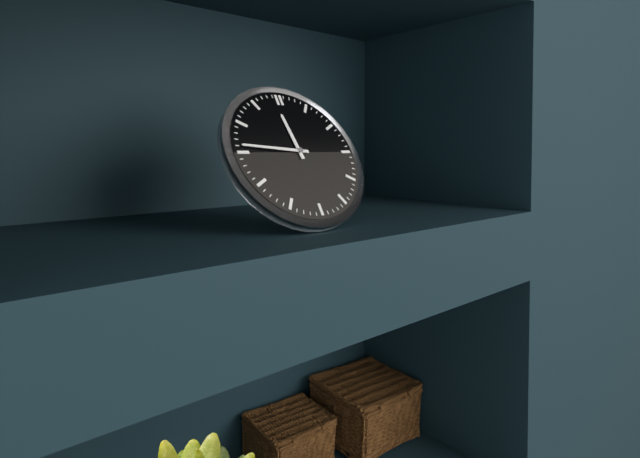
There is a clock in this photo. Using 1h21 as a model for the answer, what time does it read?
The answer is 11h46
